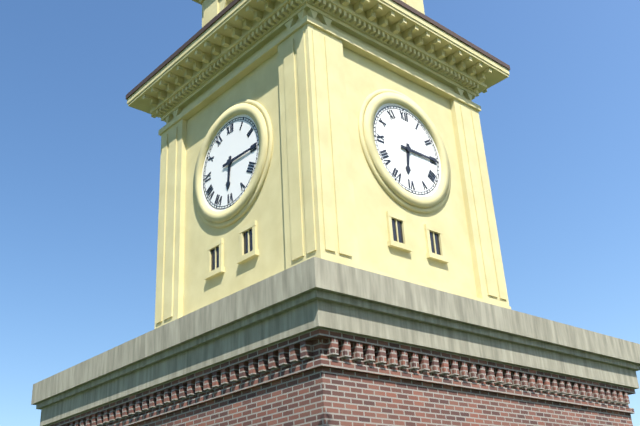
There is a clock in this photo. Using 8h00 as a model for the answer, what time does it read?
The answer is 6h15
